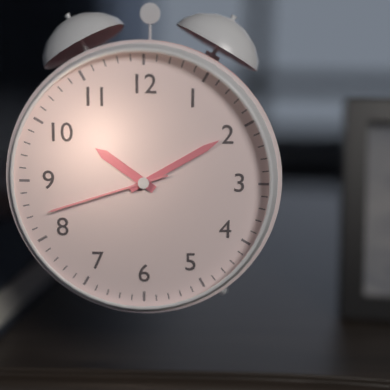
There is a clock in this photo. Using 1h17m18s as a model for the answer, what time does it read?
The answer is 10h10m42s
